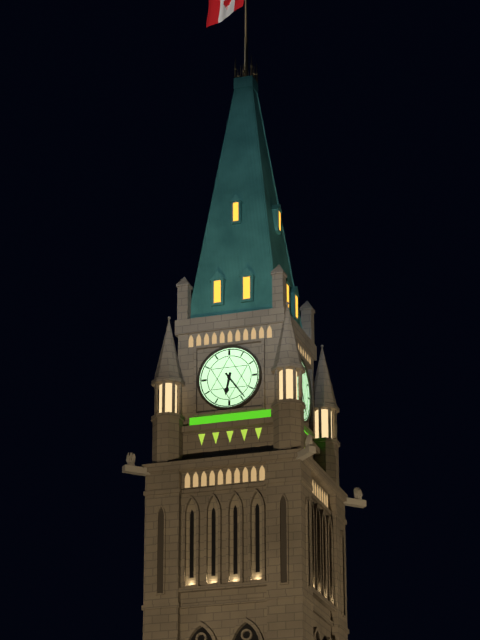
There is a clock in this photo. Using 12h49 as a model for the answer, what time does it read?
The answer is 6h24
